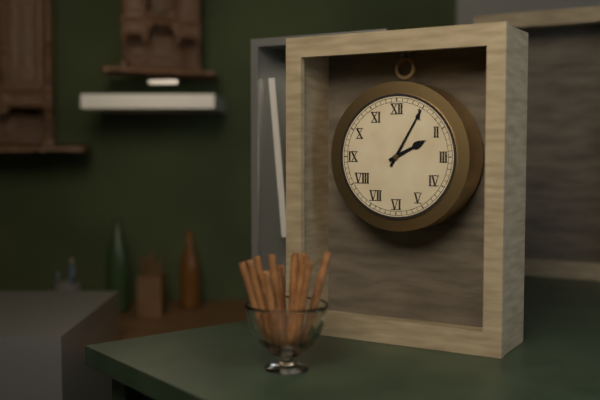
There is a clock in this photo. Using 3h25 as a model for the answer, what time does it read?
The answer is 2h05
